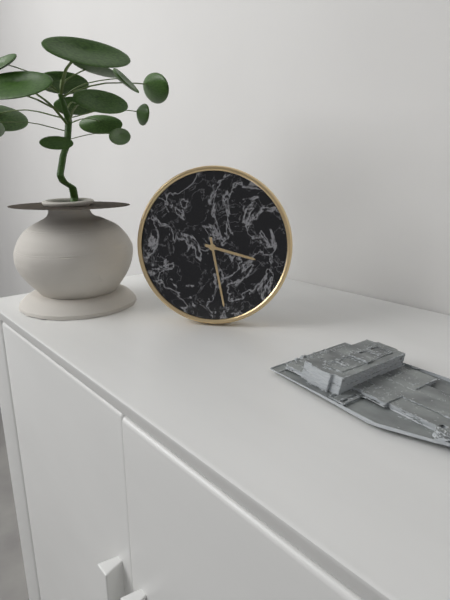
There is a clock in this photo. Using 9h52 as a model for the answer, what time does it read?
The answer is 3h28
